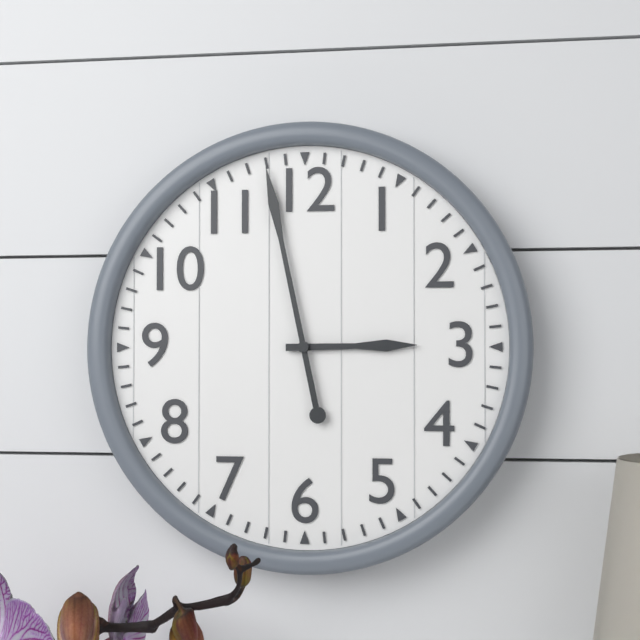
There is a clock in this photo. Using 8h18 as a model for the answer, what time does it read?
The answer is 2h58
